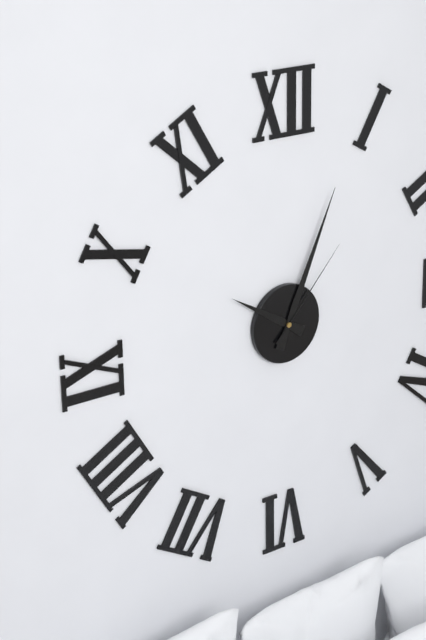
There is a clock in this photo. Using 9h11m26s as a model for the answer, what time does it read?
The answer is 10h04m07s
